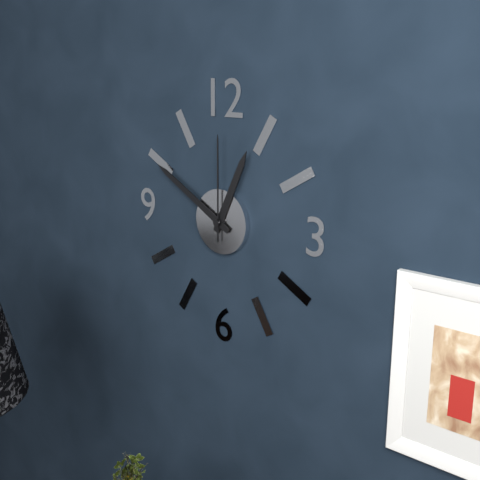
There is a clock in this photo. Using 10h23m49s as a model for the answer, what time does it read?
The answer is 12h50m00s
